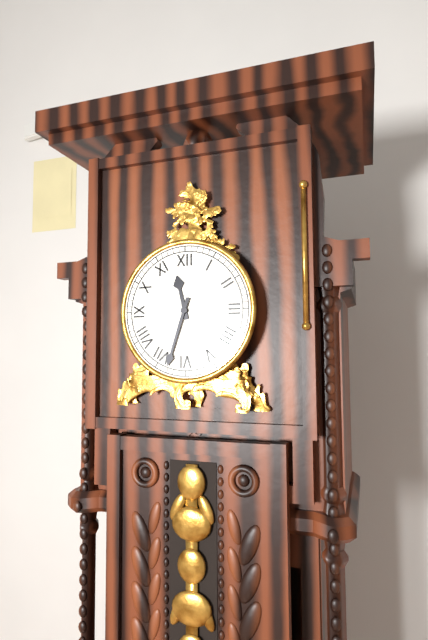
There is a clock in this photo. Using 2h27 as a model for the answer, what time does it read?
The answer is 11h33
